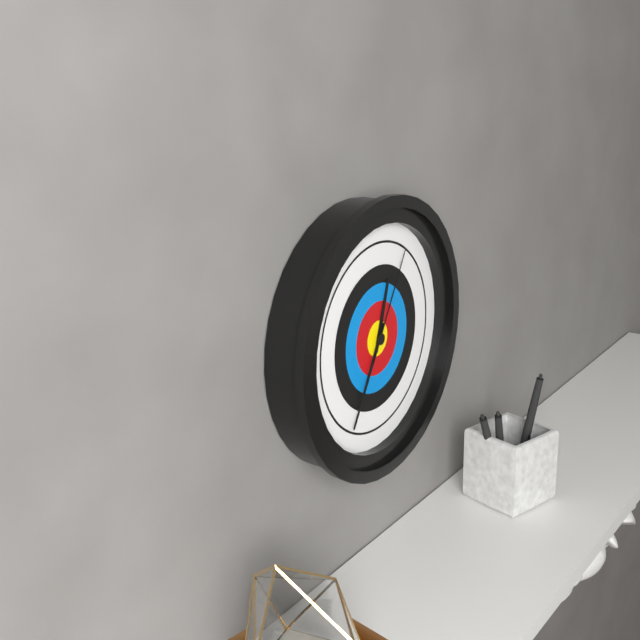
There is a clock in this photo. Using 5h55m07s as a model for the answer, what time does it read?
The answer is 12h35m05s
